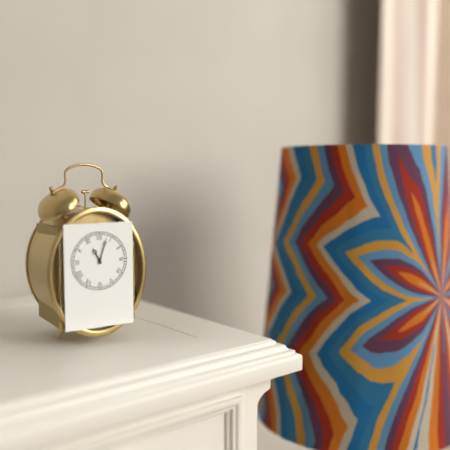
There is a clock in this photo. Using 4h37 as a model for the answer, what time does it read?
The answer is 11h03
